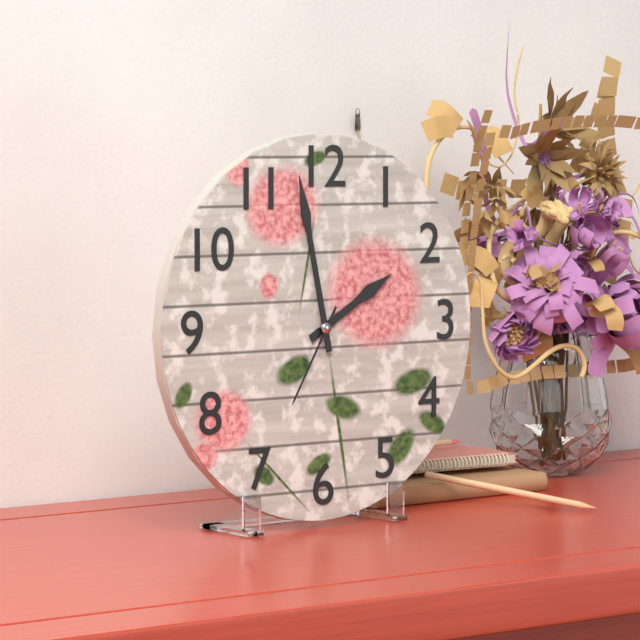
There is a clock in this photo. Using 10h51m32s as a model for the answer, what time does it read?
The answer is 1h58m35s
